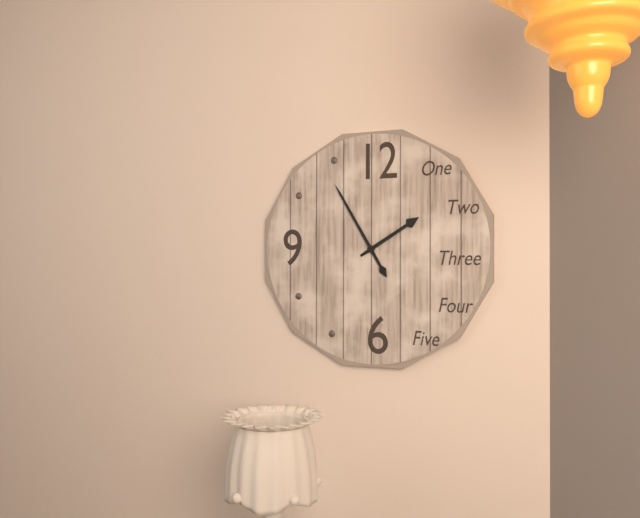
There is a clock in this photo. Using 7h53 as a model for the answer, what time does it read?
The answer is 1h55
